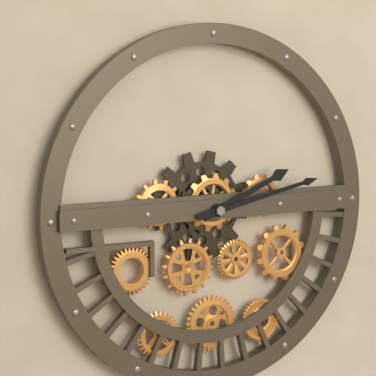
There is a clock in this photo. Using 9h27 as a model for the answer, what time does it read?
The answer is 2h13
